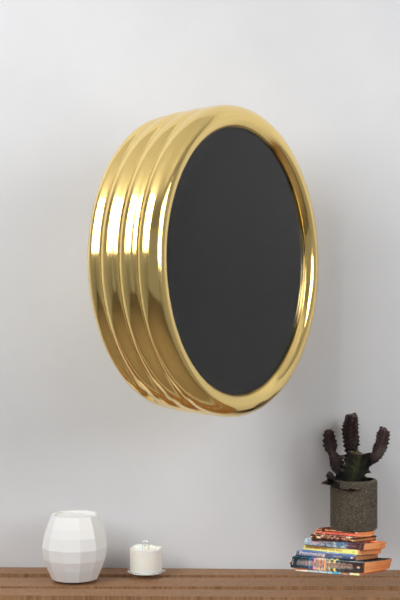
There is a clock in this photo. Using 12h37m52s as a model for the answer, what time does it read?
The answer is 10h23m39s
